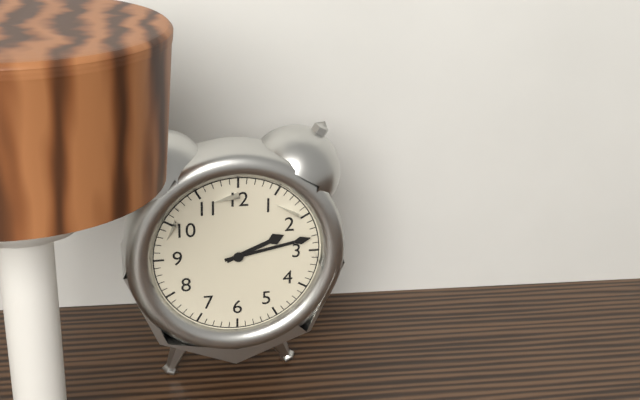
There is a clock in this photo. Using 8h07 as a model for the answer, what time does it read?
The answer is 2h13
